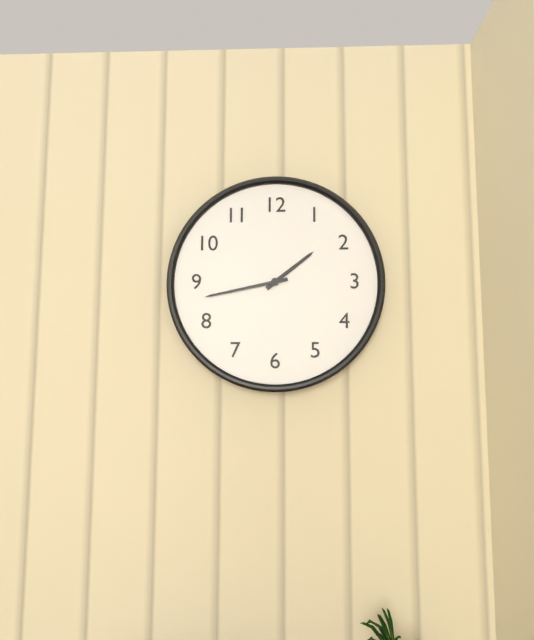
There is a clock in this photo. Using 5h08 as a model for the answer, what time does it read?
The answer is 1h43
